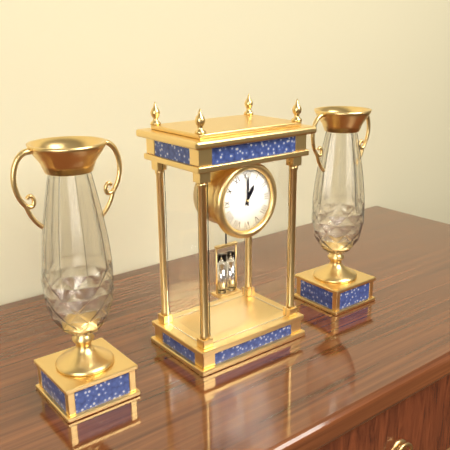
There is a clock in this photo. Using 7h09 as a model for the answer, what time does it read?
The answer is 1h00
